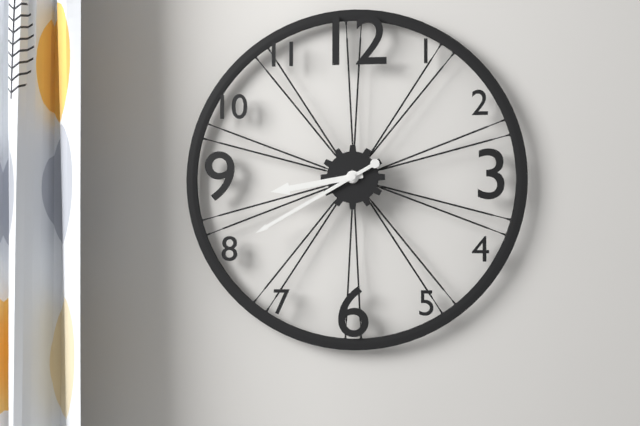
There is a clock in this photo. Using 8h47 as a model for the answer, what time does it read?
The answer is 8h40
